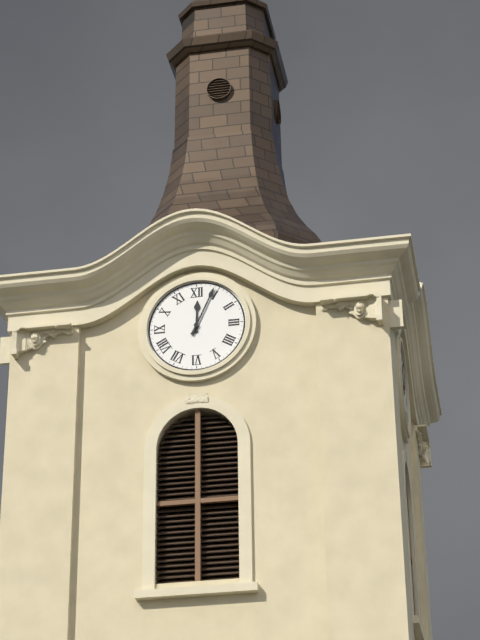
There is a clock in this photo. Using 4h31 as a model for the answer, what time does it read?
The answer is 12h04
